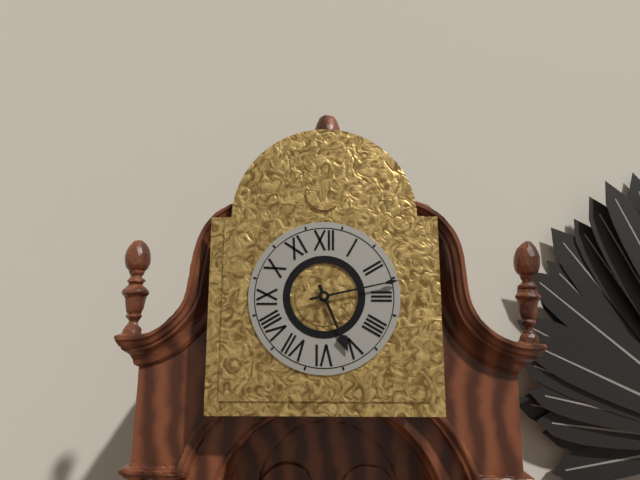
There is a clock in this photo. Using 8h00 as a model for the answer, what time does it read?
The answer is 5h13
